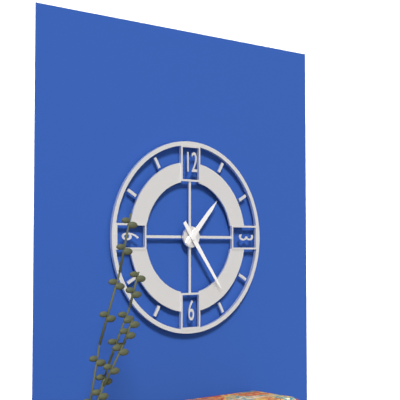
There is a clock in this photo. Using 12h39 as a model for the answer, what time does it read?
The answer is 1h24
